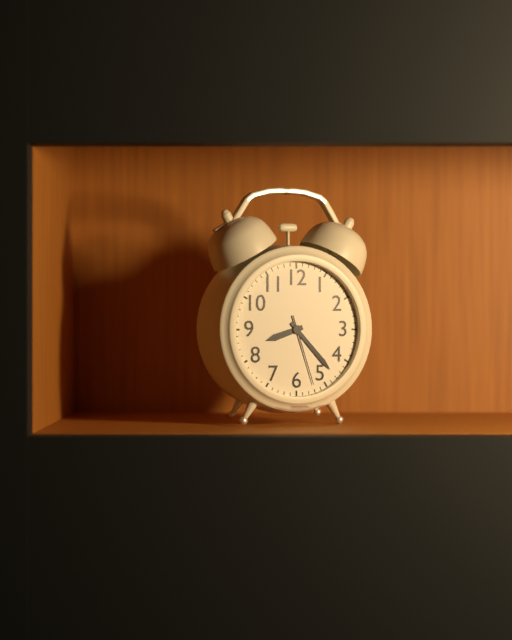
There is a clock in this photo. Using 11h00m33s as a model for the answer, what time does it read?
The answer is 8h23m27s
